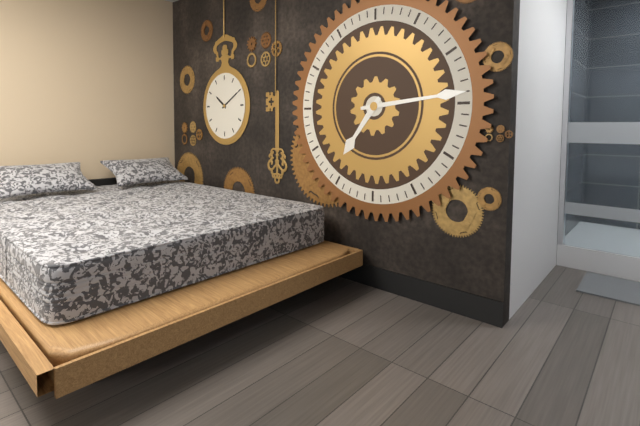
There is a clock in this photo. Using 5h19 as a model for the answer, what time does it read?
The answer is 7h14
